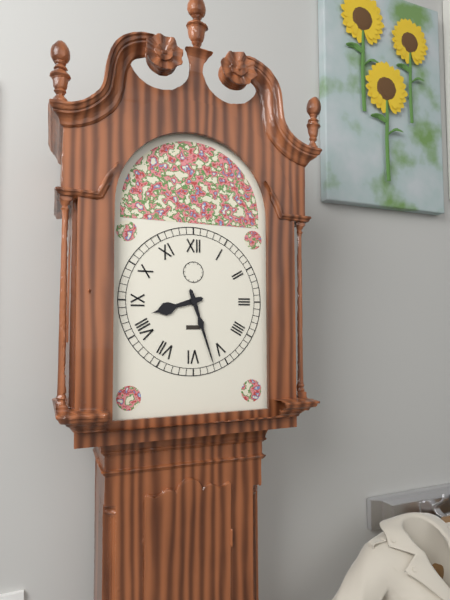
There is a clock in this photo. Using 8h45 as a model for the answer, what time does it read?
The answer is 8h27
